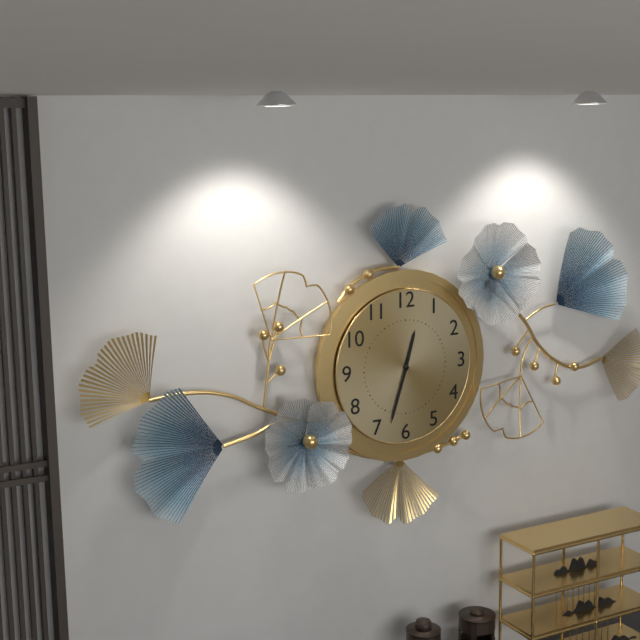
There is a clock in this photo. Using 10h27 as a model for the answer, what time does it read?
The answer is 12h33
